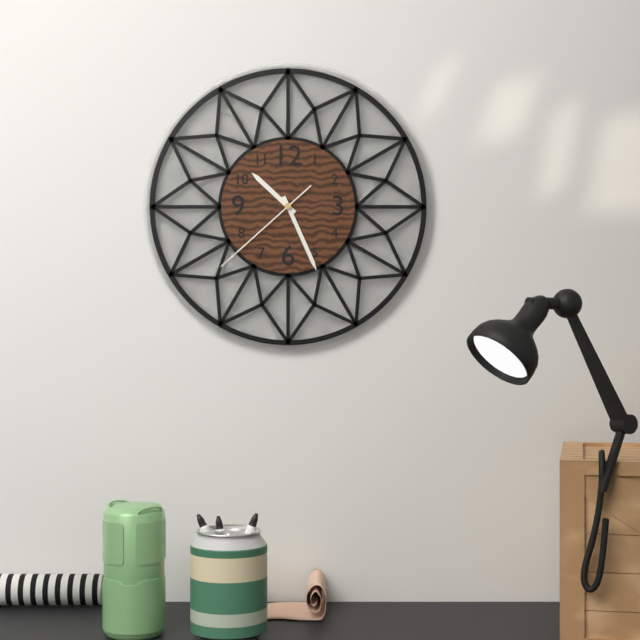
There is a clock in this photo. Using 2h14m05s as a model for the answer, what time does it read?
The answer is 10h26m38s
